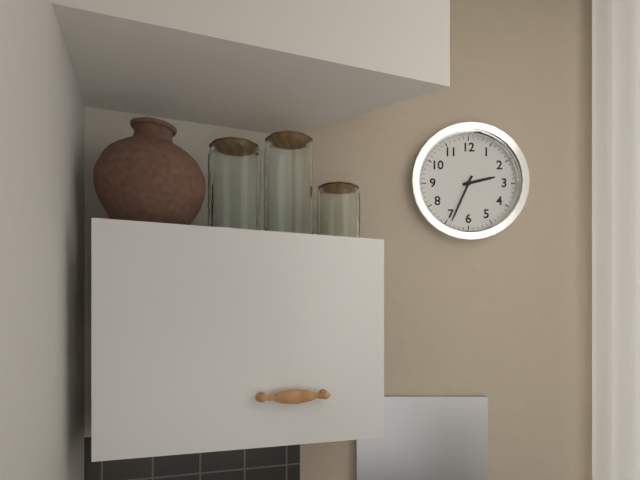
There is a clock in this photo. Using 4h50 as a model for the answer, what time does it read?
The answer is 2h34
